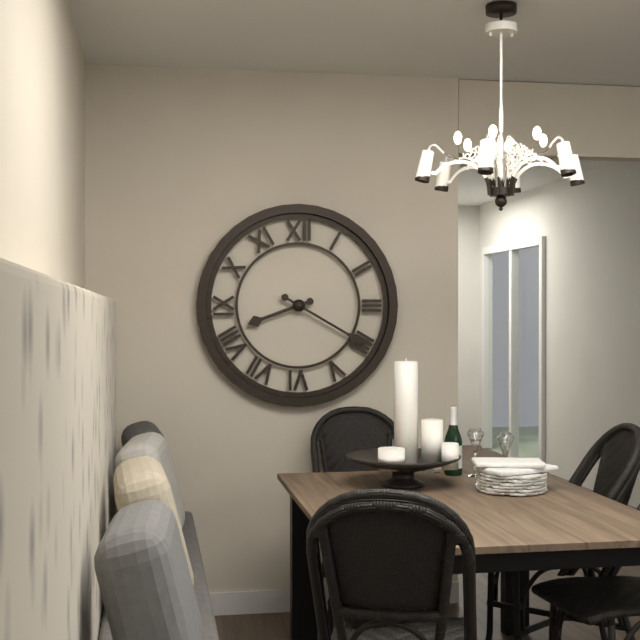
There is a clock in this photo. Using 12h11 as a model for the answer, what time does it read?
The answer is 8h20
